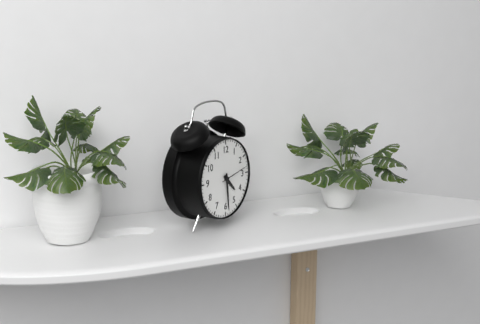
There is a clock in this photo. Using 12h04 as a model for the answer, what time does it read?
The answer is 4h29
